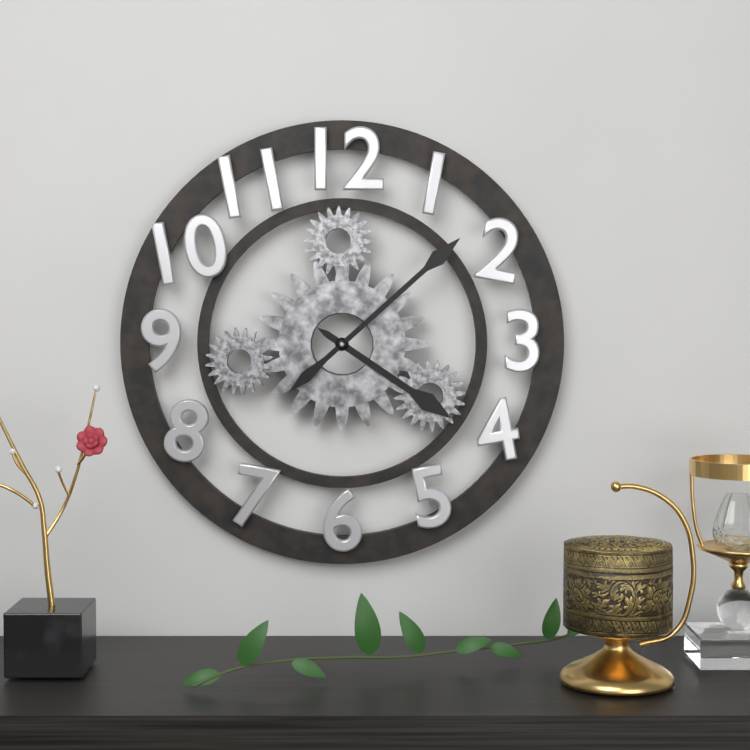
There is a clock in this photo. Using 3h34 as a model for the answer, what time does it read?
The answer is 4h08
